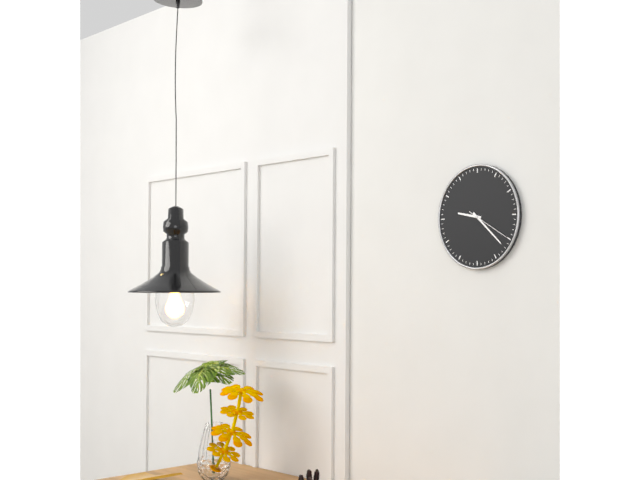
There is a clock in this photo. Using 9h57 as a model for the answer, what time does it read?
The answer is 9h22
